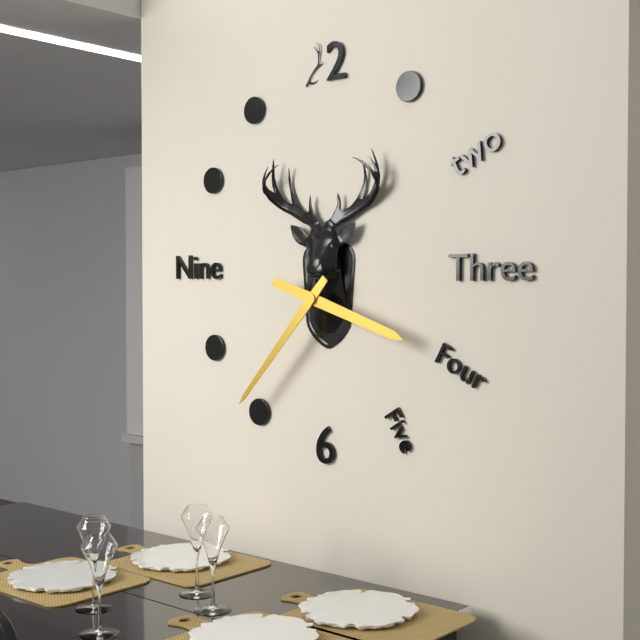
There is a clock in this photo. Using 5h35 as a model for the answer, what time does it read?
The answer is 3h37
